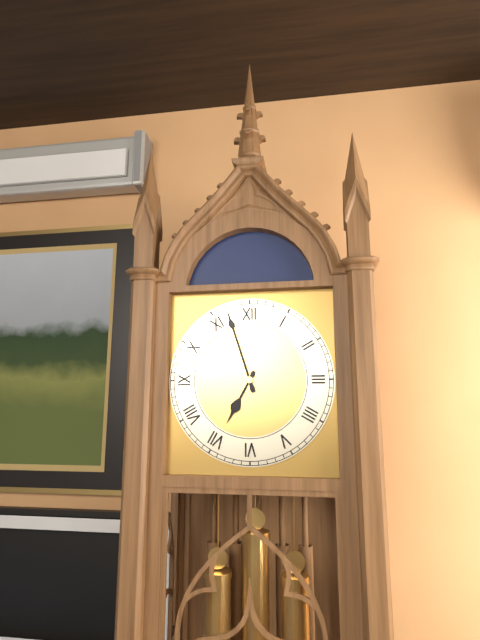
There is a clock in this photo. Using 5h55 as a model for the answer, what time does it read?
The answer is 6h57
